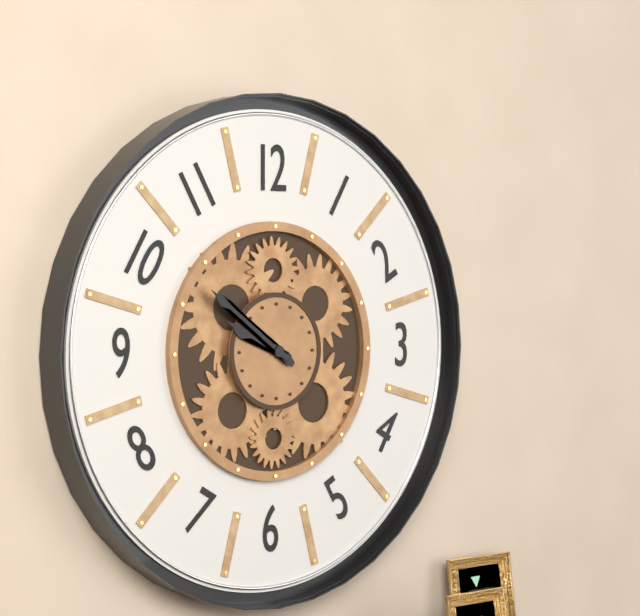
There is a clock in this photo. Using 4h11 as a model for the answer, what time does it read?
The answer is 9h51
